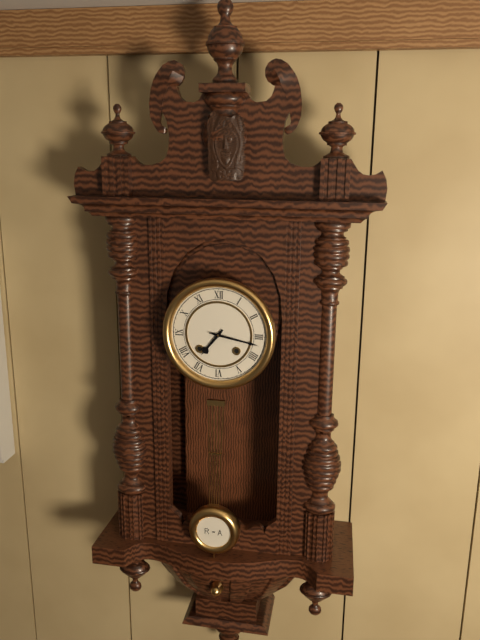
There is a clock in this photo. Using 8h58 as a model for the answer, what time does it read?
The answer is 7h17
